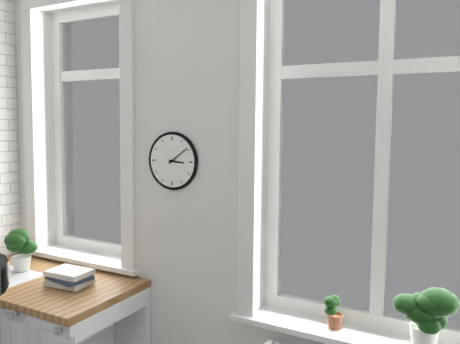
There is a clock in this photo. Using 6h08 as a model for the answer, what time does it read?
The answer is 3h09
